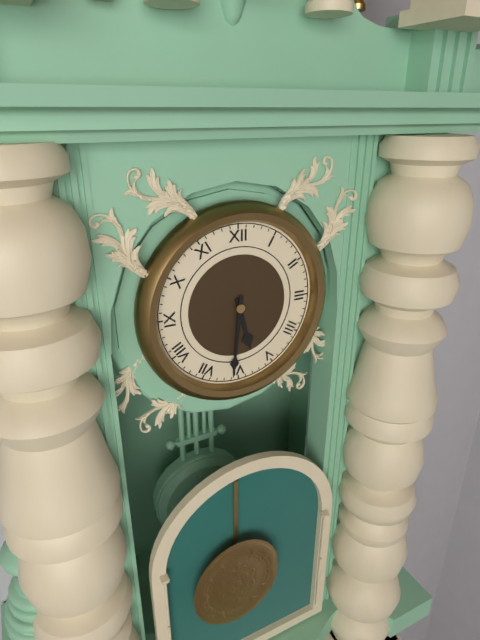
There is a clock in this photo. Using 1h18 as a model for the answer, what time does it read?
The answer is 5h31
